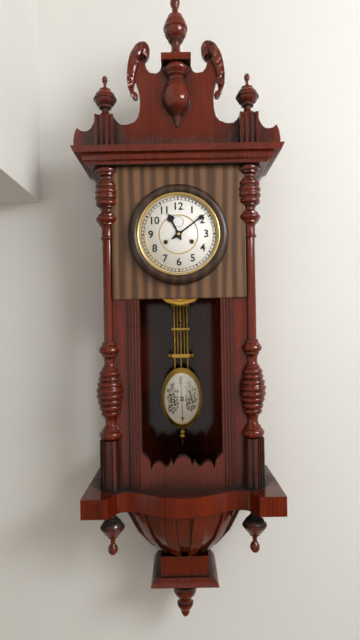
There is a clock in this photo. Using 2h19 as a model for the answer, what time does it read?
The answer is 11h09
